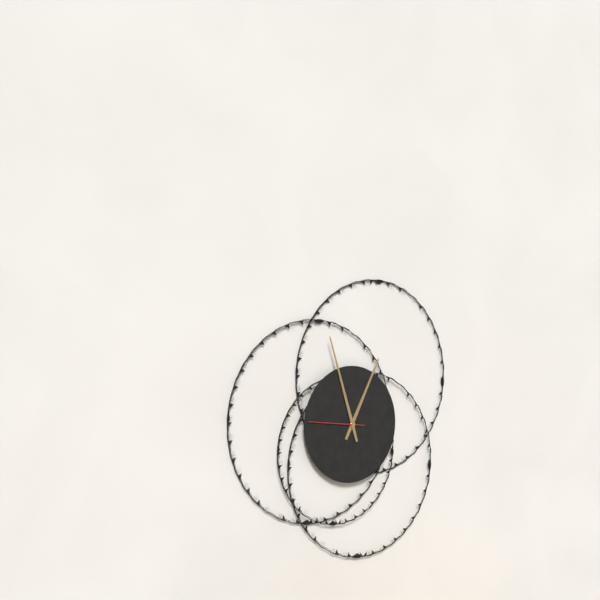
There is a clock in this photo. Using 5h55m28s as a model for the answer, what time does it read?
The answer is 12h57m46s
